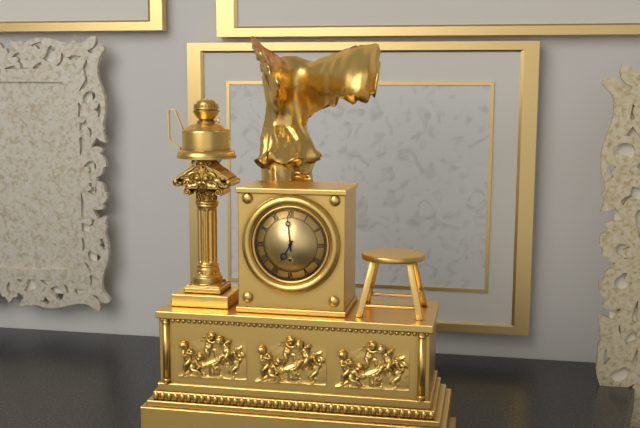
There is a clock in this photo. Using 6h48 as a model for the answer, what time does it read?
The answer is 6h59
